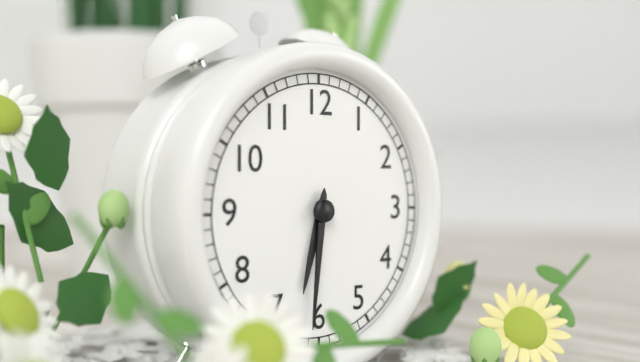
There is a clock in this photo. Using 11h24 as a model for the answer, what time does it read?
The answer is 6h31
